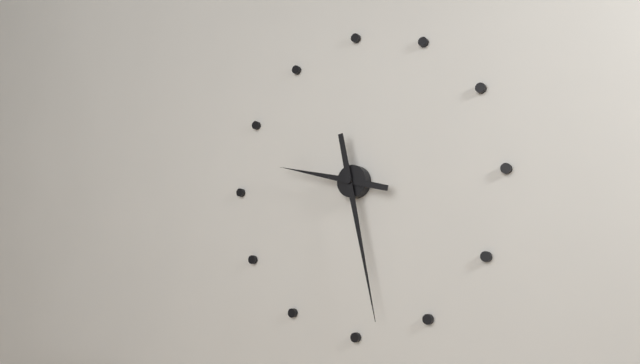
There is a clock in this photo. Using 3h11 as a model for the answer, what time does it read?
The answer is 9h28
